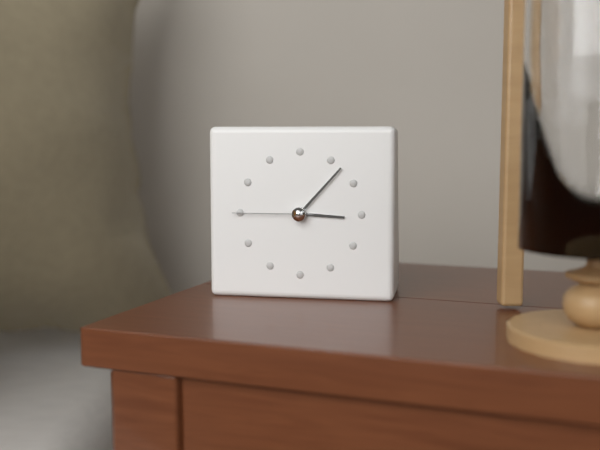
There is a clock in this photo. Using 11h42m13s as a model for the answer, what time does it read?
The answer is 3h07m45s
